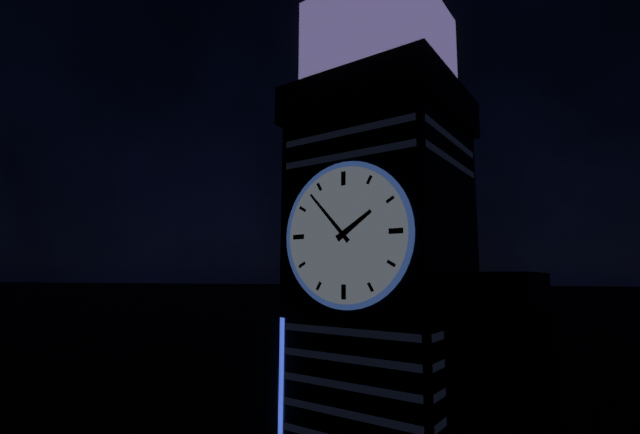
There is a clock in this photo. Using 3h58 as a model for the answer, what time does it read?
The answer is 1h53
